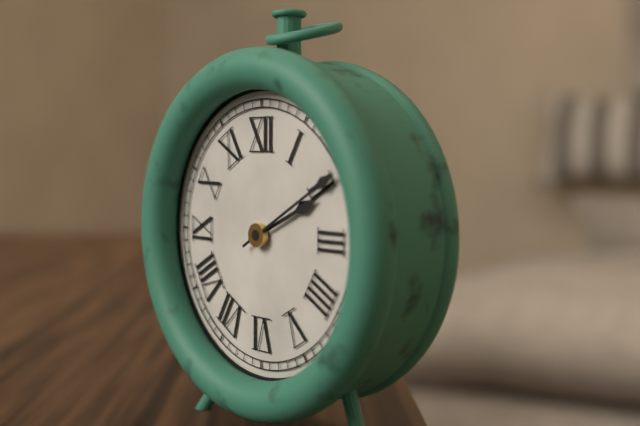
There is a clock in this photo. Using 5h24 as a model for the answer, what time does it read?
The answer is 2h10
